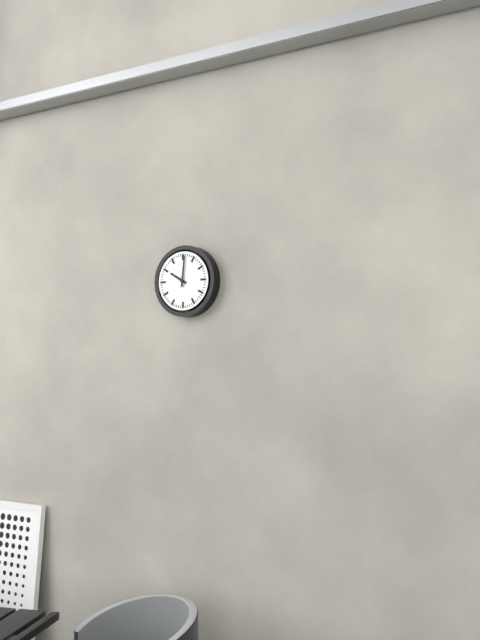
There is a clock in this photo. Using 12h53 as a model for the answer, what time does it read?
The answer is 10h01
